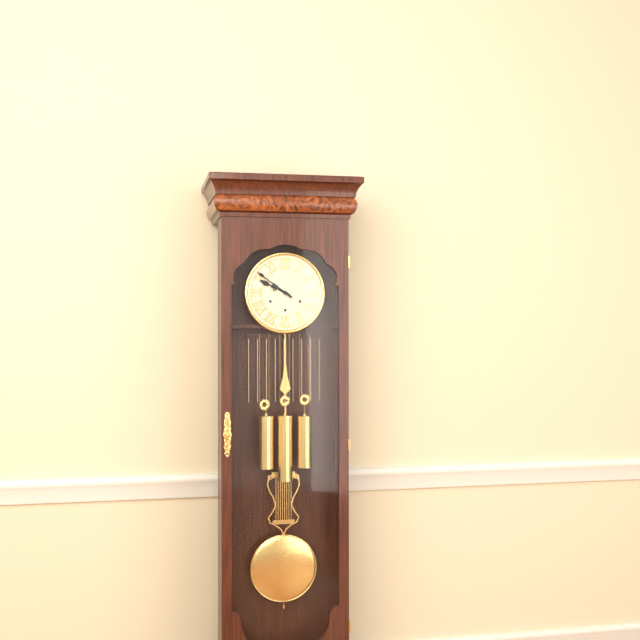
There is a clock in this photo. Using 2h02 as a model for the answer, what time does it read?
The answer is 9h51
